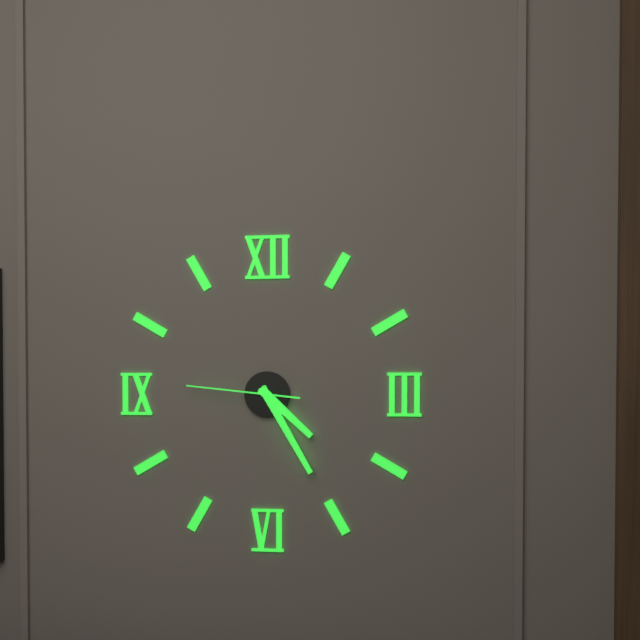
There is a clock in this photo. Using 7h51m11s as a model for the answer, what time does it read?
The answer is 4h25m46s
